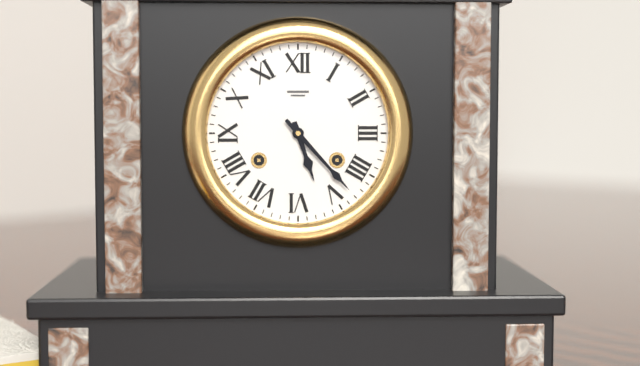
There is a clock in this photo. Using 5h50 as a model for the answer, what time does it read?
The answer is 5h23
